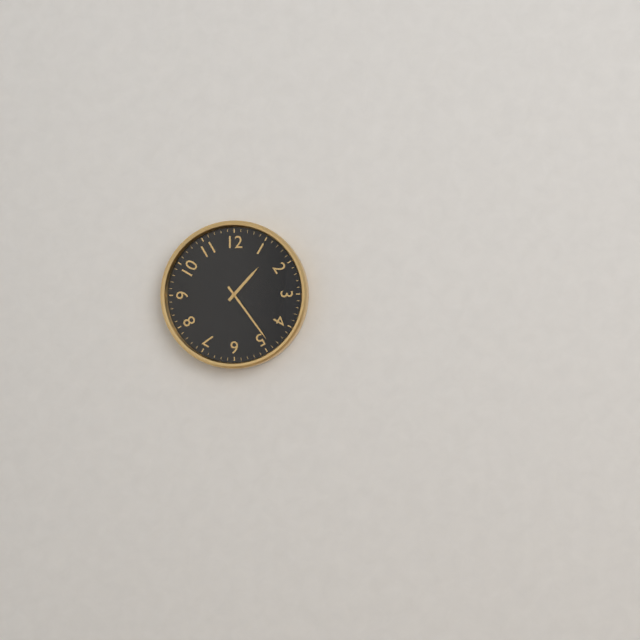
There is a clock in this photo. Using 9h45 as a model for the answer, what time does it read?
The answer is 1h24
